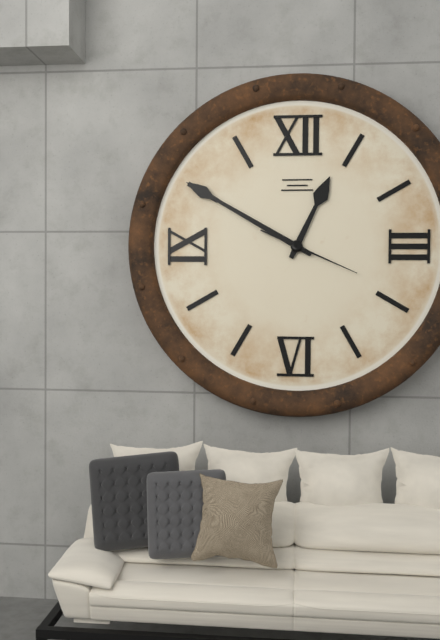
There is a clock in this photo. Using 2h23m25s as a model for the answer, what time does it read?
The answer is 12h50m19s
